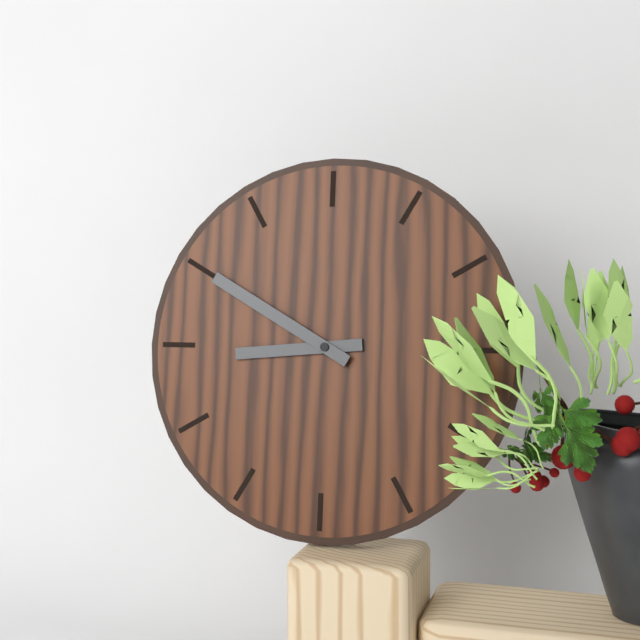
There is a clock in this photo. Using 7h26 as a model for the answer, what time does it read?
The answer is 8h50
